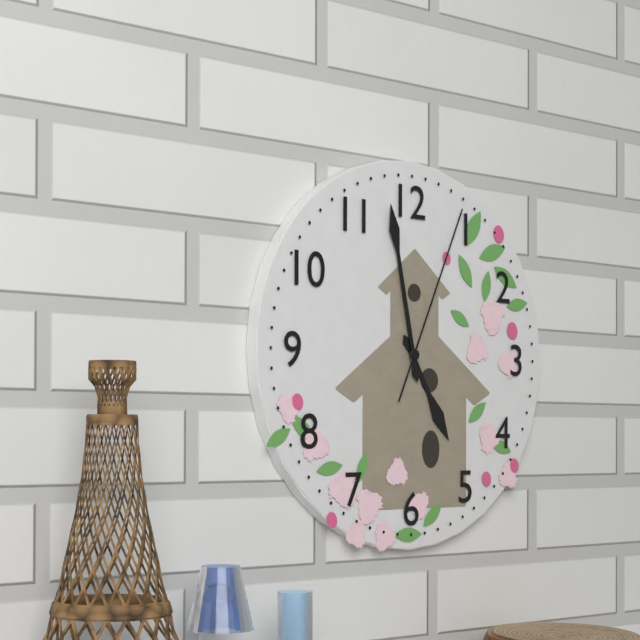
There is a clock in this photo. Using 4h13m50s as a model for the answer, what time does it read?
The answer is 4h58m04s
